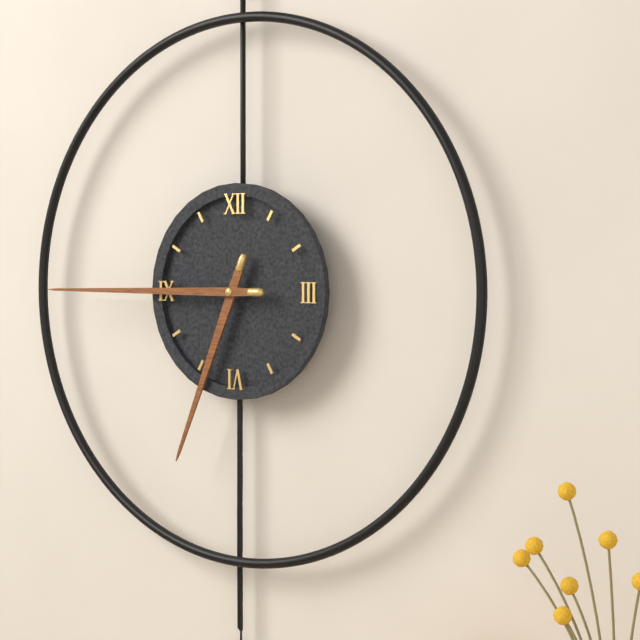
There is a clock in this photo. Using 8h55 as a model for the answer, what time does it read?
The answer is 6h45
